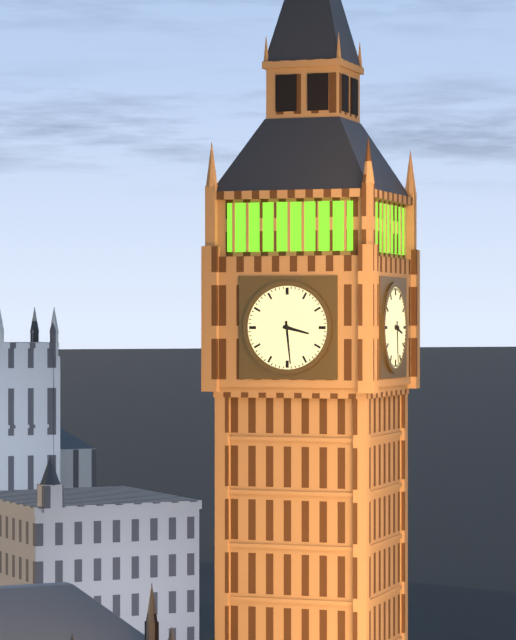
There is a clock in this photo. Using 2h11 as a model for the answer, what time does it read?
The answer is 3h29
